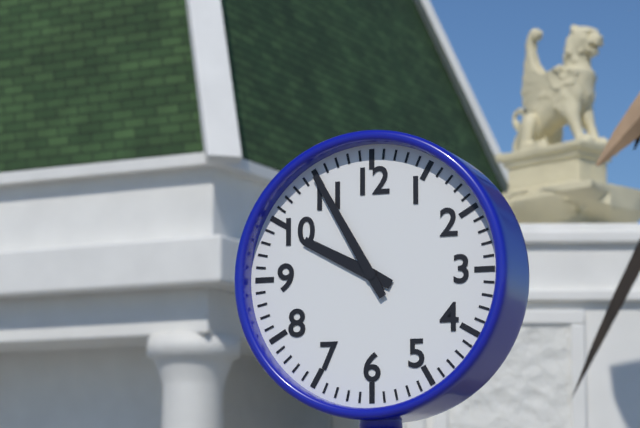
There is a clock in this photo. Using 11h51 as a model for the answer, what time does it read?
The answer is 9h55
